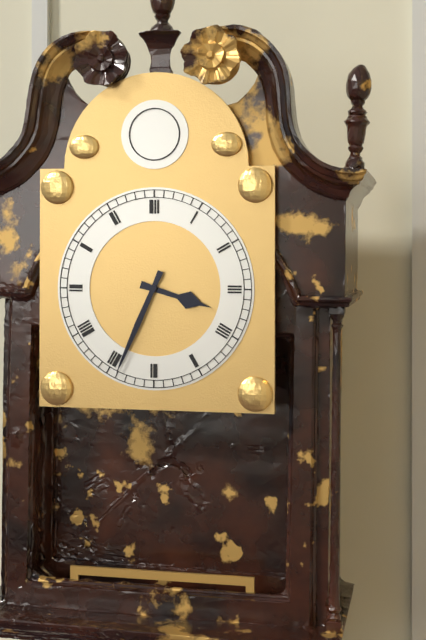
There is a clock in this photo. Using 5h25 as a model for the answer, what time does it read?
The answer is 3h34
